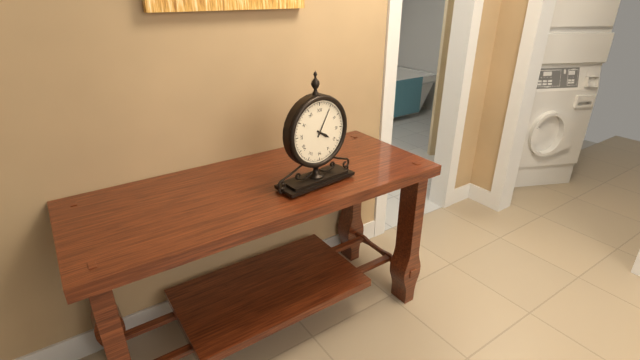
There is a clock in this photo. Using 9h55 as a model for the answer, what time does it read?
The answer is 4h05
